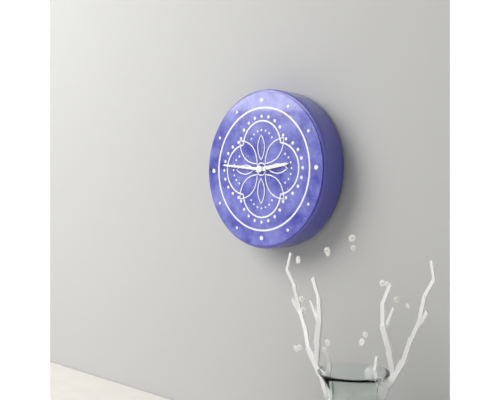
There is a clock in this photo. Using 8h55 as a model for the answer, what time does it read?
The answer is 2h46
